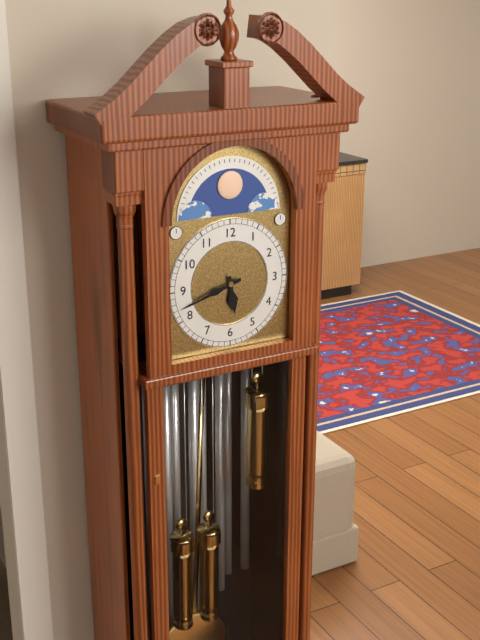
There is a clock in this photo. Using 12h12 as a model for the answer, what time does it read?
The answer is 5h42
